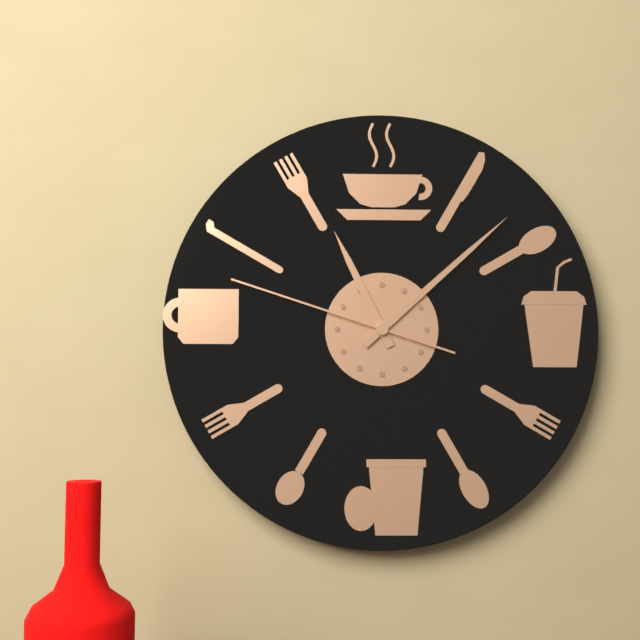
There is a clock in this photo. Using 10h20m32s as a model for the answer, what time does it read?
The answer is 11h08m48s
